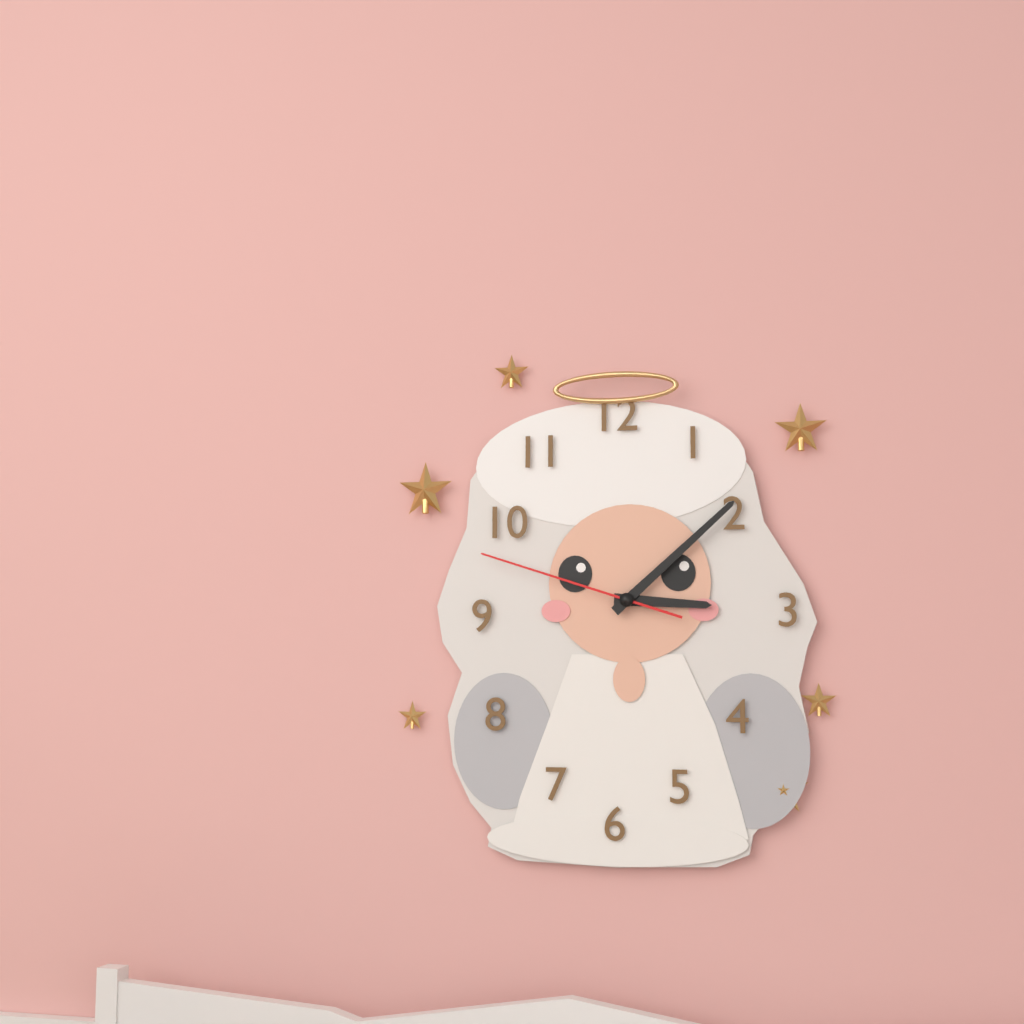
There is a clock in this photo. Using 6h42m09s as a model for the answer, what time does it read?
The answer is 3h08m48s
